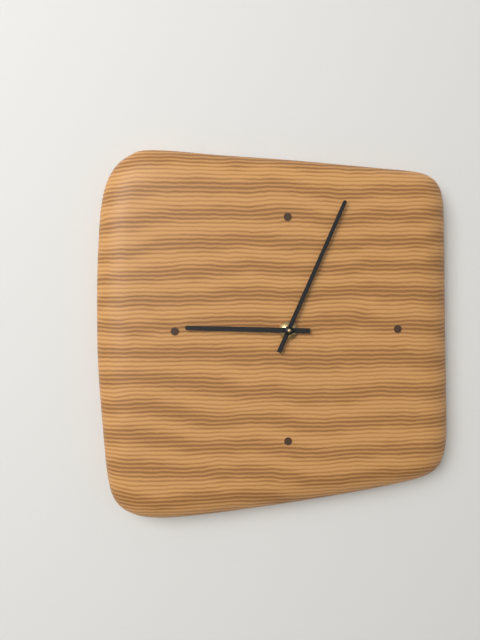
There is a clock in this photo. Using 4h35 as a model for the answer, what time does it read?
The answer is 9h04
